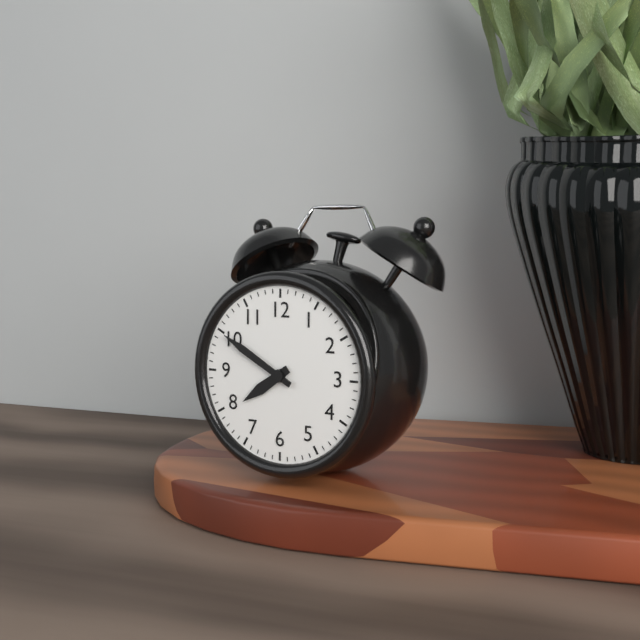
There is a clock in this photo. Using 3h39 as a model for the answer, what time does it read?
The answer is 7h50
